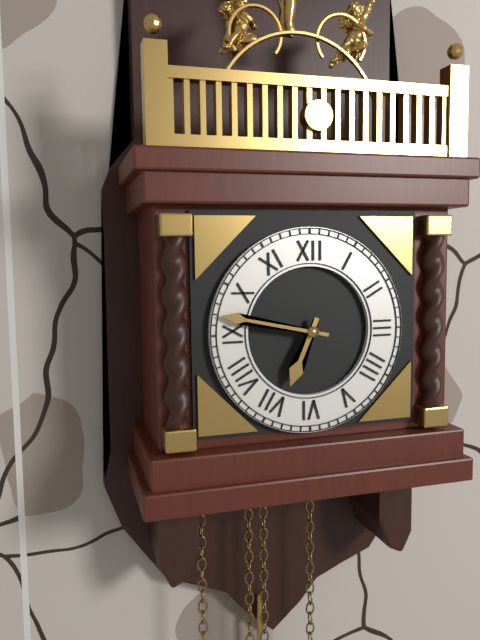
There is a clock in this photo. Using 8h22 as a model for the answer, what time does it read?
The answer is 6h47
